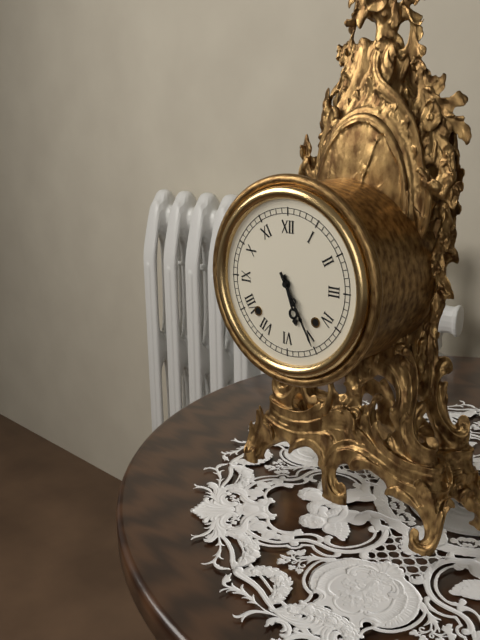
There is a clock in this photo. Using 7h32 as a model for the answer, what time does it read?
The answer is 5h25
